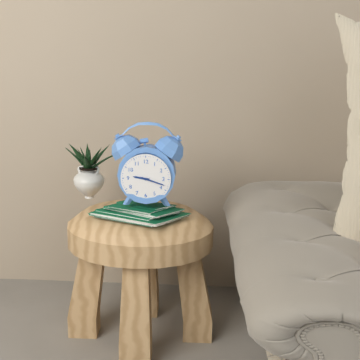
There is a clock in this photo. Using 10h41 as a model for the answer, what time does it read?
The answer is 9h18
